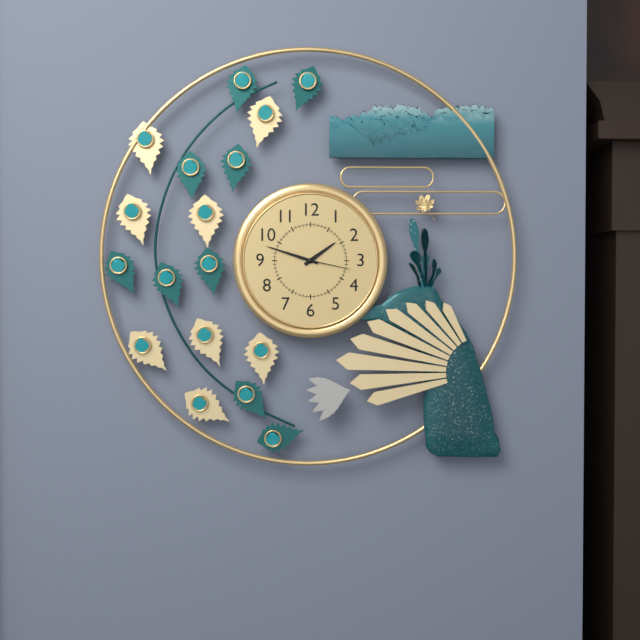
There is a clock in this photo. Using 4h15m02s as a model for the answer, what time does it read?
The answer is 1h48m17s
